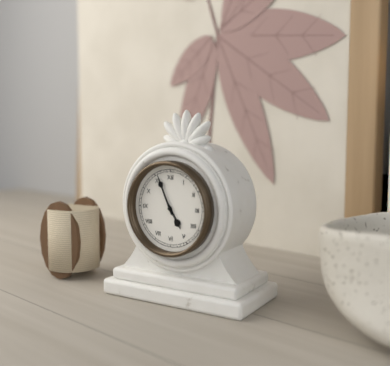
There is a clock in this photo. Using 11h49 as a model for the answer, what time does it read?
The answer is 4h56
